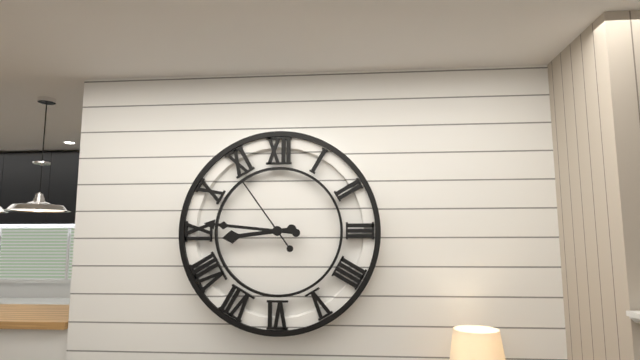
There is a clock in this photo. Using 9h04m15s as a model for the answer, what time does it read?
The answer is 8h46m54s
